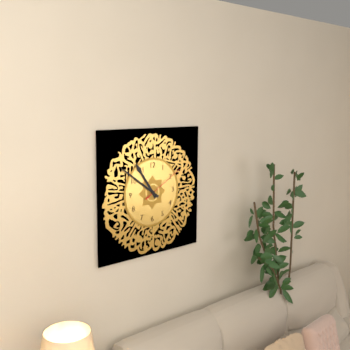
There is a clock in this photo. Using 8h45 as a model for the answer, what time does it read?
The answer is 10h51
